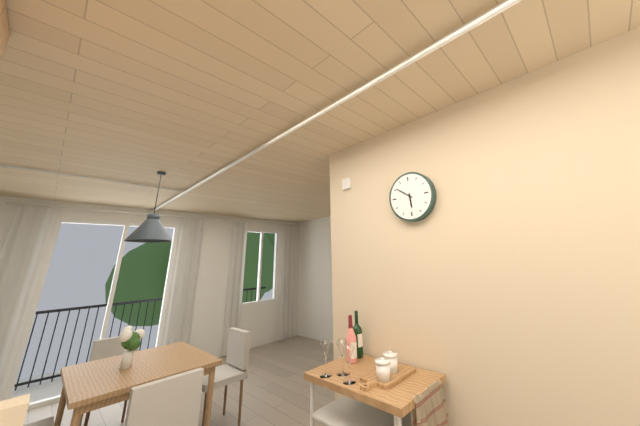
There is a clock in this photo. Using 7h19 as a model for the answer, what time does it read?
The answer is 5h51
